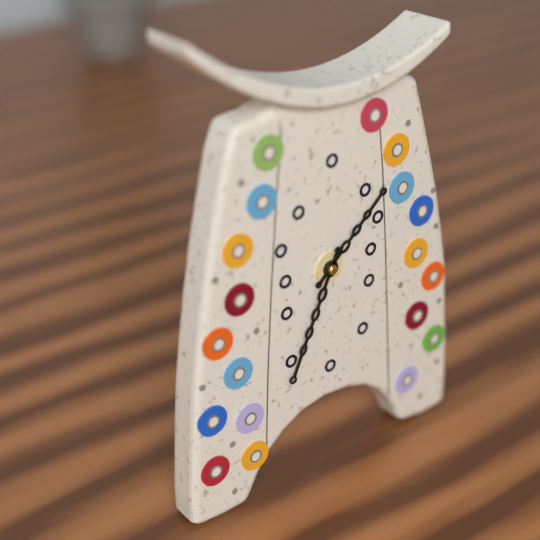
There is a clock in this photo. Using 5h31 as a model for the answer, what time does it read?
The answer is 1h34
